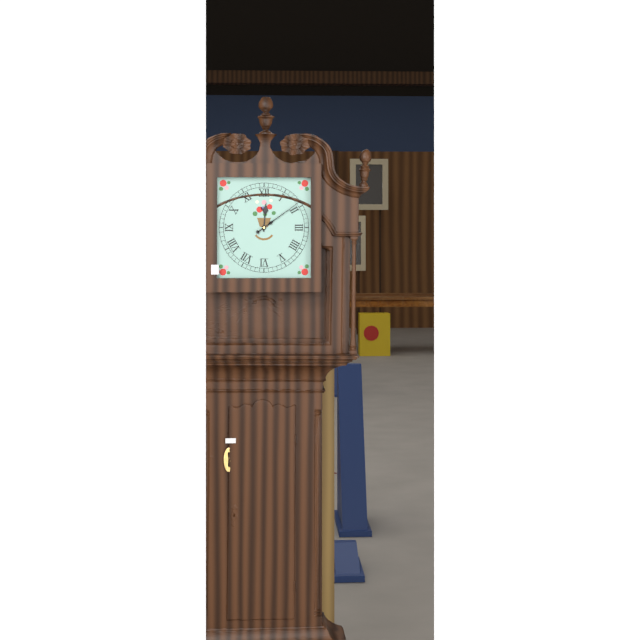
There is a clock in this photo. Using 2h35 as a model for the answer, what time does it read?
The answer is 12h09
